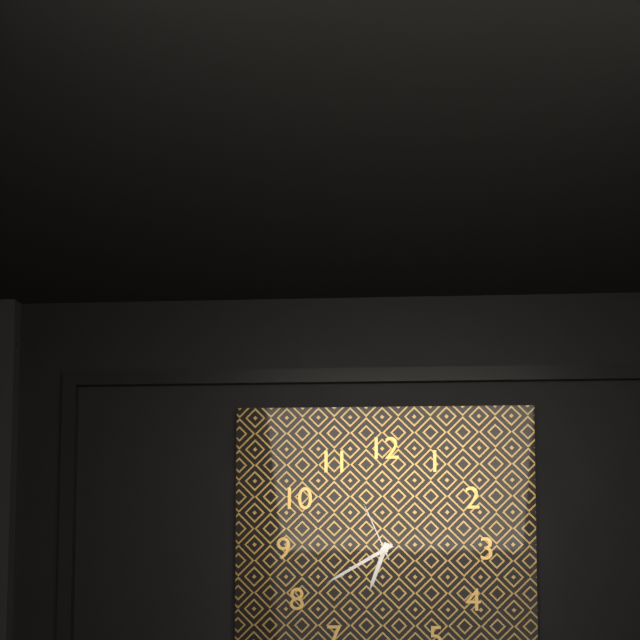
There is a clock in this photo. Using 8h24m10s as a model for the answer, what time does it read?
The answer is 6h40m56s
